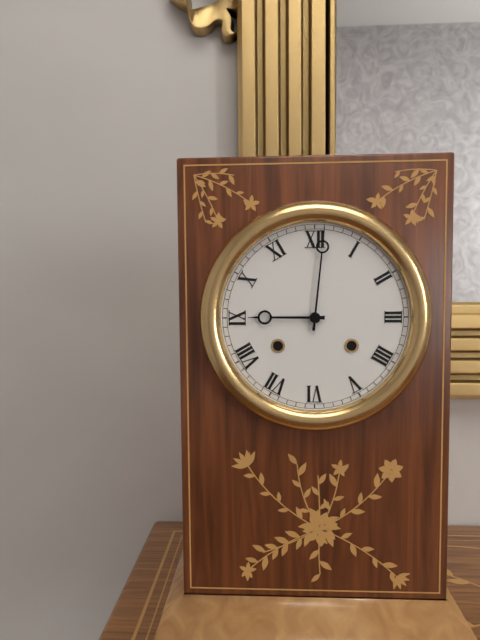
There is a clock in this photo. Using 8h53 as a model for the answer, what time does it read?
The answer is 9h01
